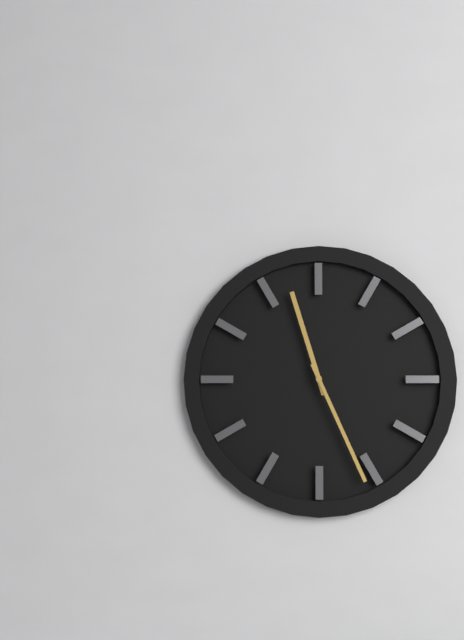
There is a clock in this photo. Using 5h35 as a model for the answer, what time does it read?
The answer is 11h26
